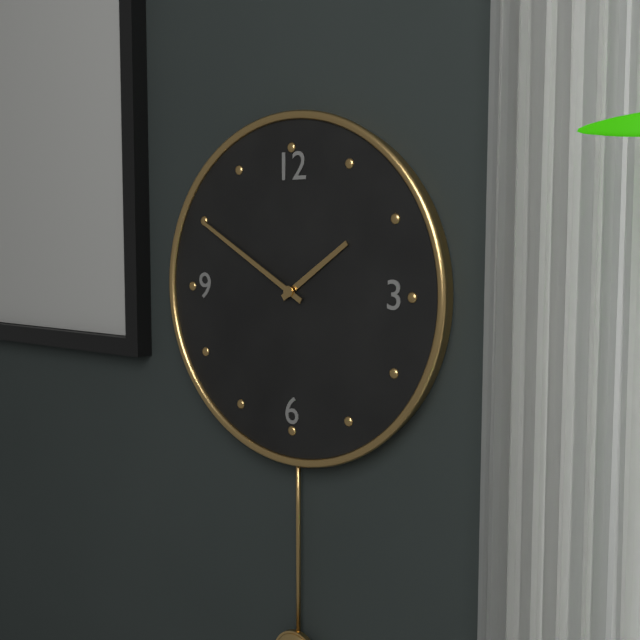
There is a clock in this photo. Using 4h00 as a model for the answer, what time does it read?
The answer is 1h50
